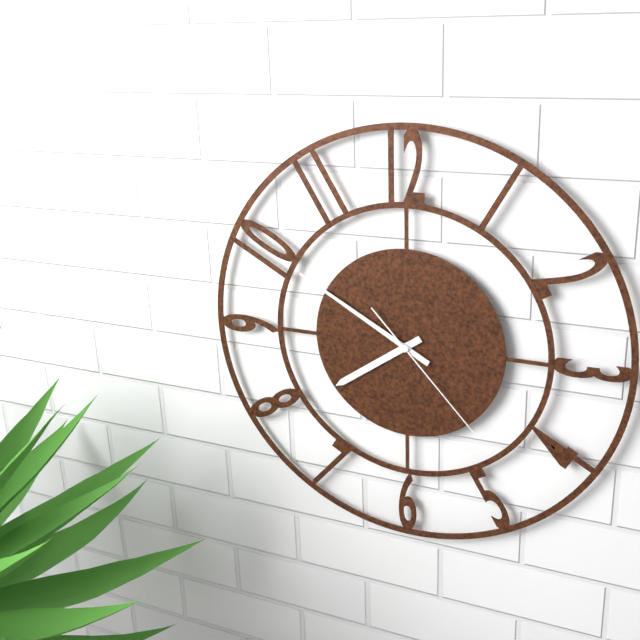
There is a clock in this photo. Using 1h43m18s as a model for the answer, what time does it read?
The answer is 7h50m23s
